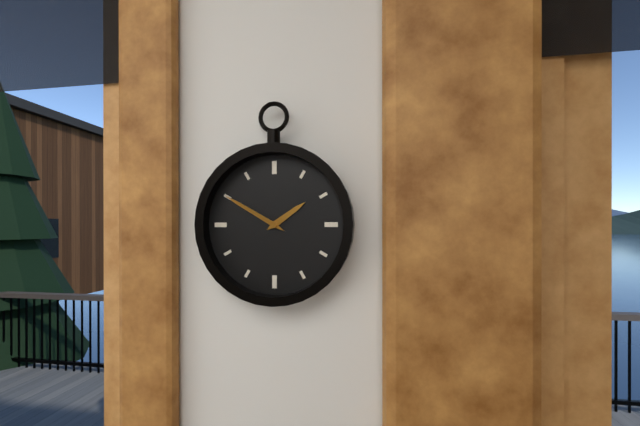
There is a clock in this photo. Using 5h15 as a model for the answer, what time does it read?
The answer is 1h50
